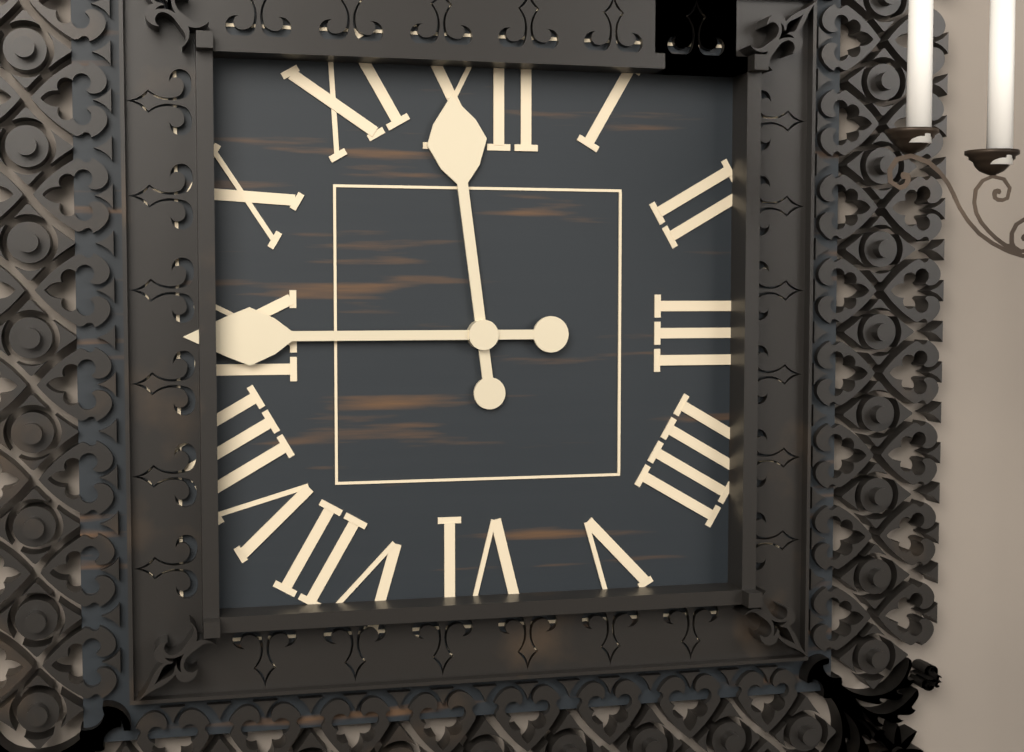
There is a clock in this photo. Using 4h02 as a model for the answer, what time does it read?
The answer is 11h45
